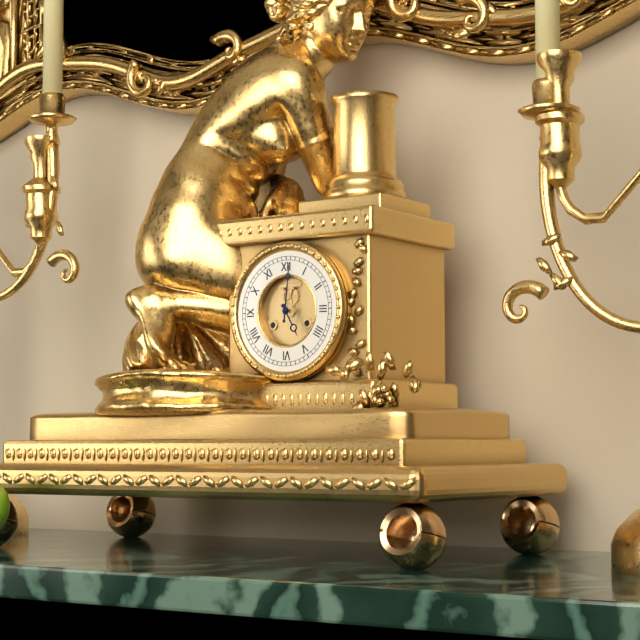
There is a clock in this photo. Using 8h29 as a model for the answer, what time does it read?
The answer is 5h01
